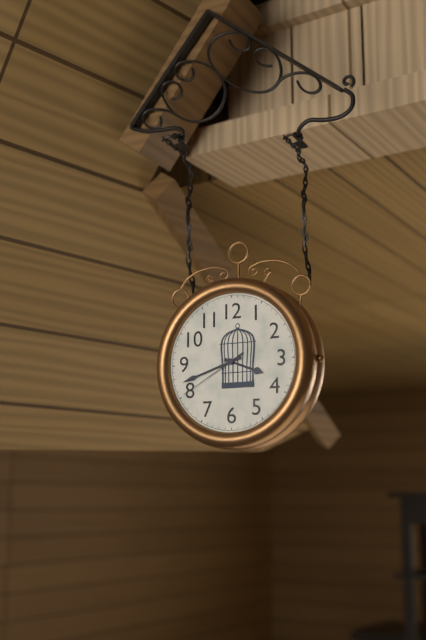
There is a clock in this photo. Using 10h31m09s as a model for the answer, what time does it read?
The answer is 3h42m40s
